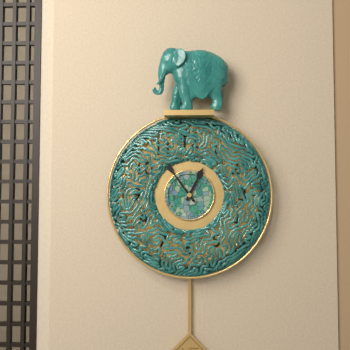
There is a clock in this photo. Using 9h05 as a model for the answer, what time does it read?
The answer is 12h54
